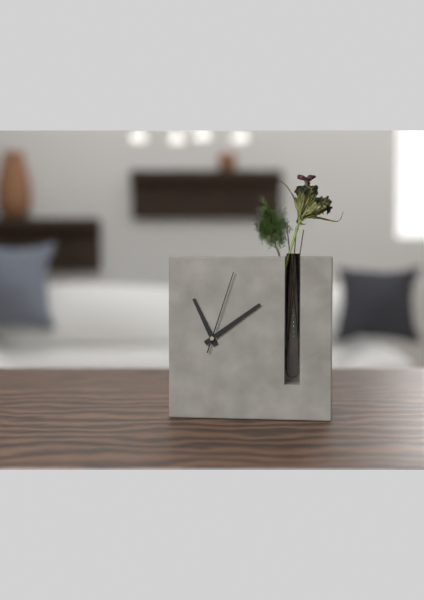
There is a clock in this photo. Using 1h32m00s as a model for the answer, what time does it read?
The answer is 11h09m03s
